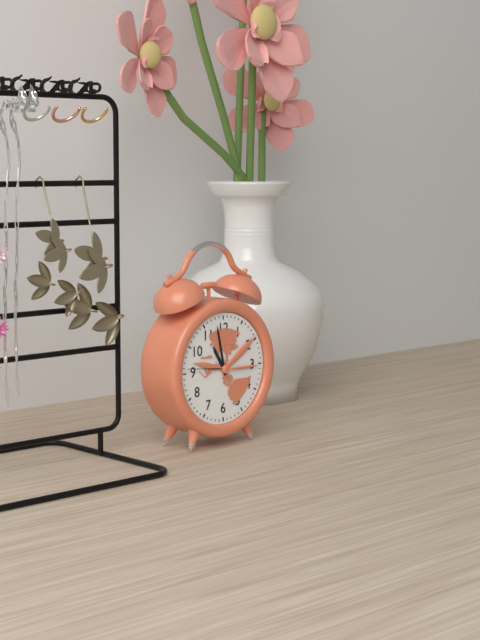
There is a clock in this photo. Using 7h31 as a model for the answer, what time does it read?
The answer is 10h58
